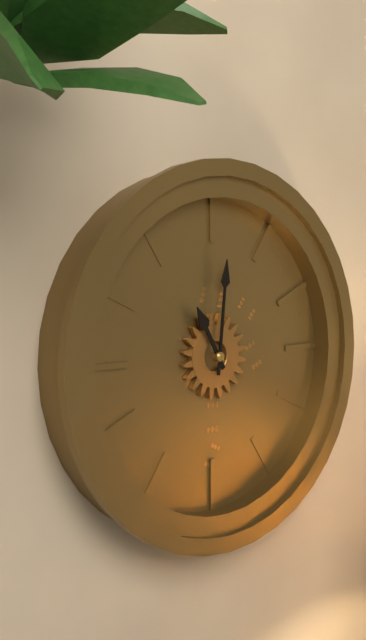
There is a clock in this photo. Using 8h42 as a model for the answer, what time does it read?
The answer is 11h01
